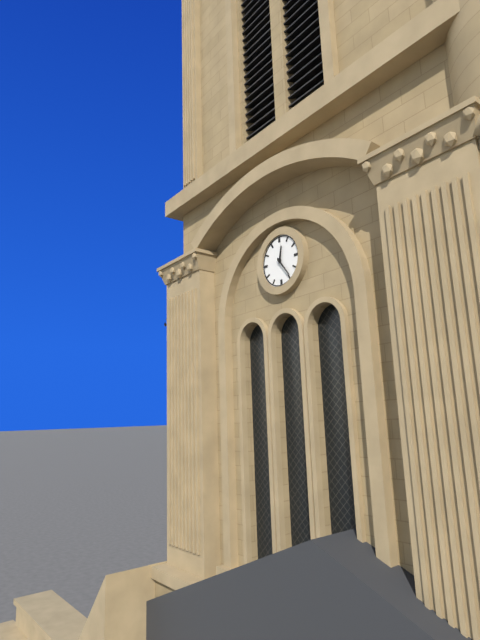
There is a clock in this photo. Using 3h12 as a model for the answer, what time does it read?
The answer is 12h24
